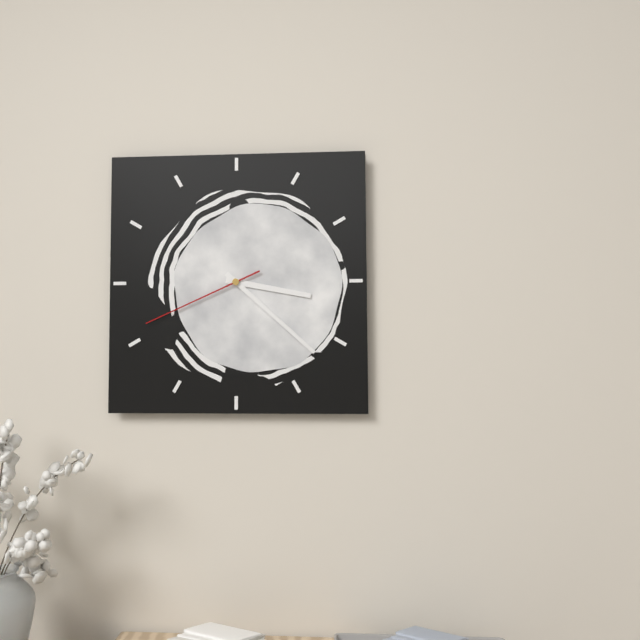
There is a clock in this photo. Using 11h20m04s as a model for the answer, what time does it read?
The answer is 3h22m41s
